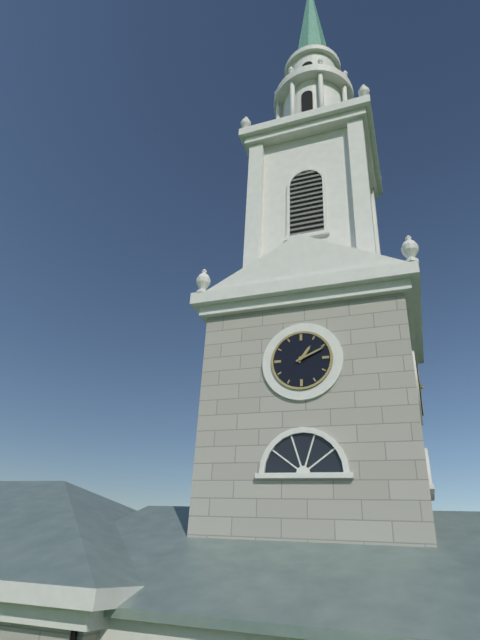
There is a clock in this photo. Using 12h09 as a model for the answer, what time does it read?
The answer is 1h11
